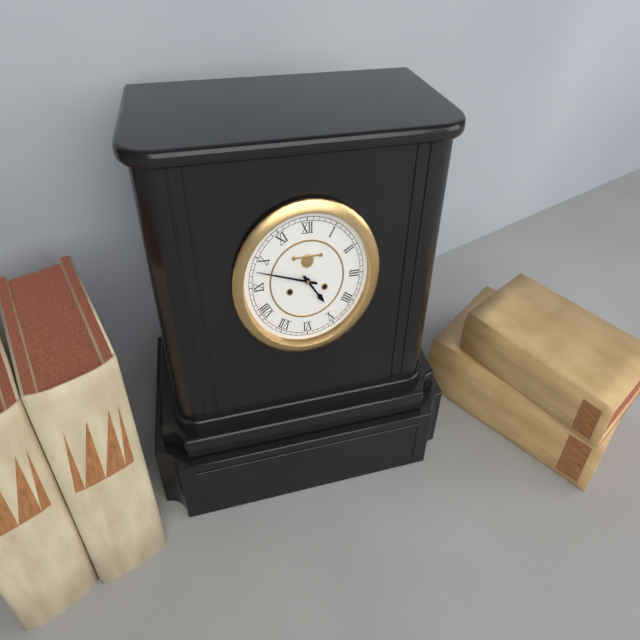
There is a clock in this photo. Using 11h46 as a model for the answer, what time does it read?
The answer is 4h48
